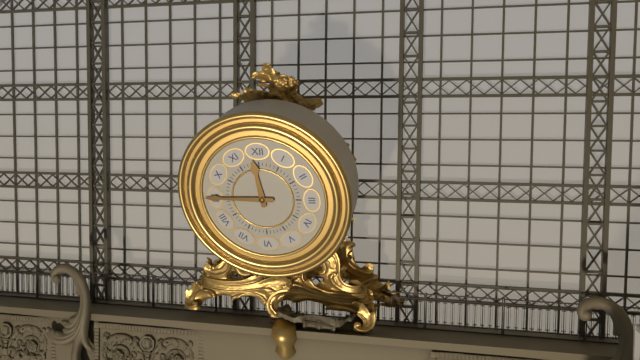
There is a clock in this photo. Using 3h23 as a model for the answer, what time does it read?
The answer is 11h45
